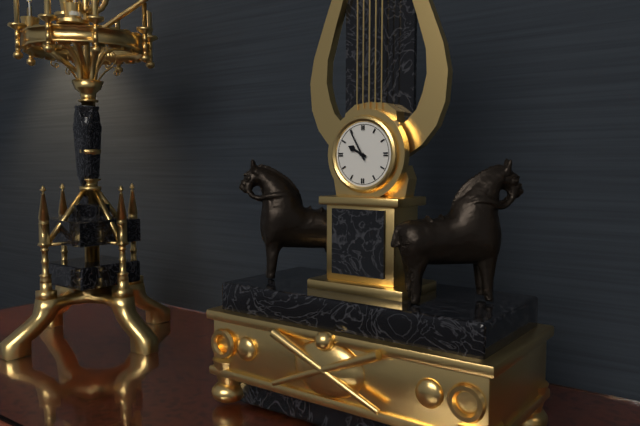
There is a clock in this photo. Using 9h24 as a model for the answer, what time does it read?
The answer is 9h55
